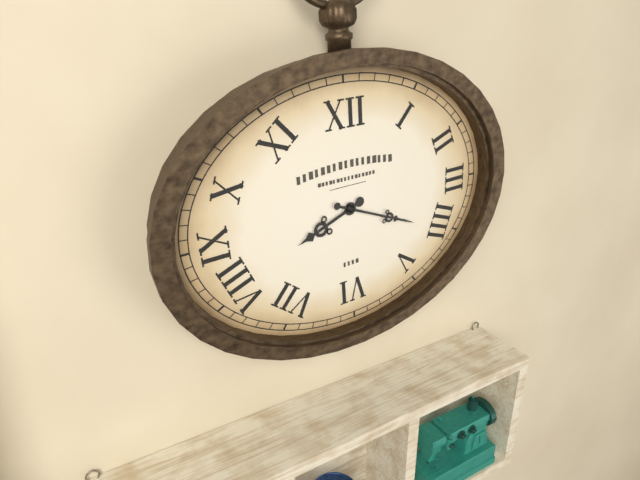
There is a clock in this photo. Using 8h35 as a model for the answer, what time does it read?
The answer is 8h19
